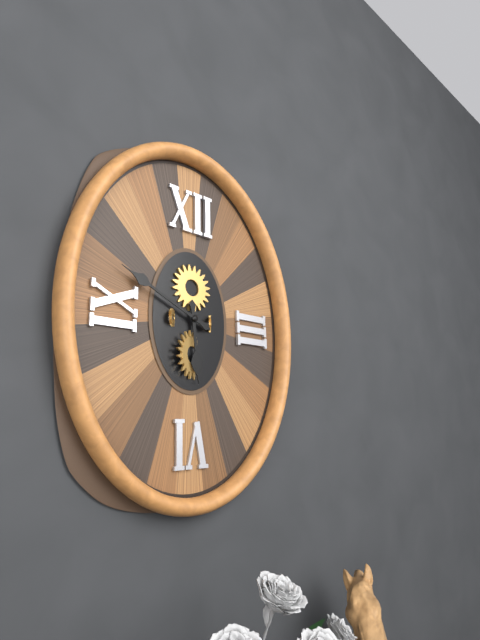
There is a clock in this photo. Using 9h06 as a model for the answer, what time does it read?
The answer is 5h49
